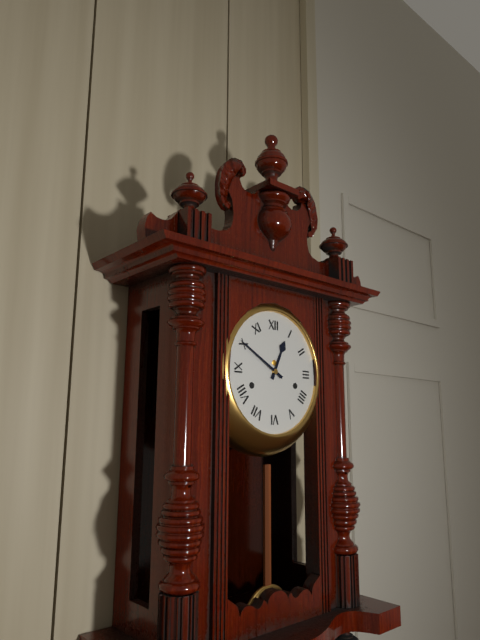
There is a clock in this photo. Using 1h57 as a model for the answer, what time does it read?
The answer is 12h50
